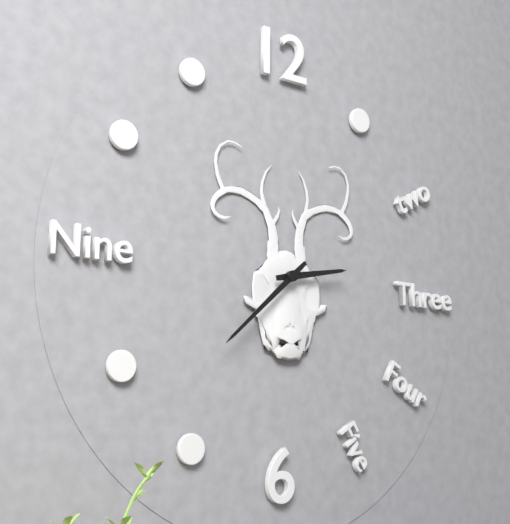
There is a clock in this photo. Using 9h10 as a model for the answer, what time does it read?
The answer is 2h38
